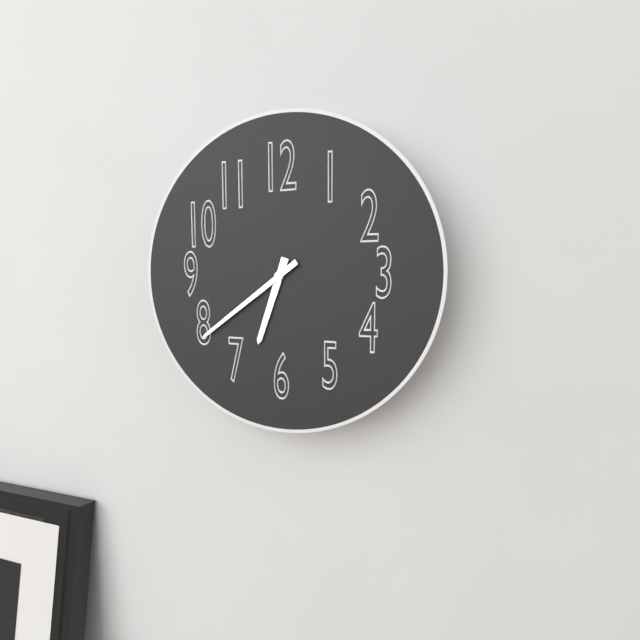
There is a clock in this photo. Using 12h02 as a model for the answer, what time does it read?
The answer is 6h39
